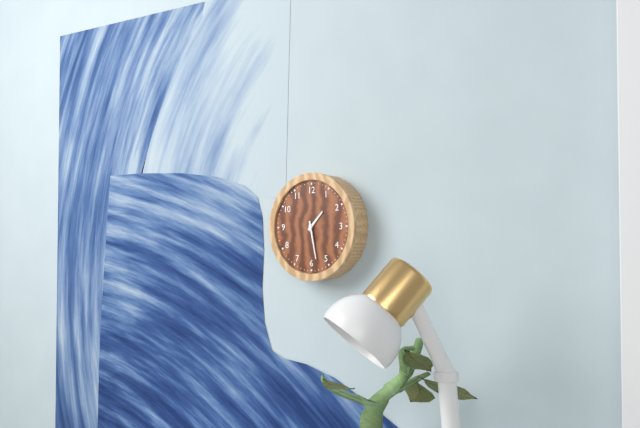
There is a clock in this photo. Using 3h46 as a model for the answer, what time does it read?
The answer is 1h28
